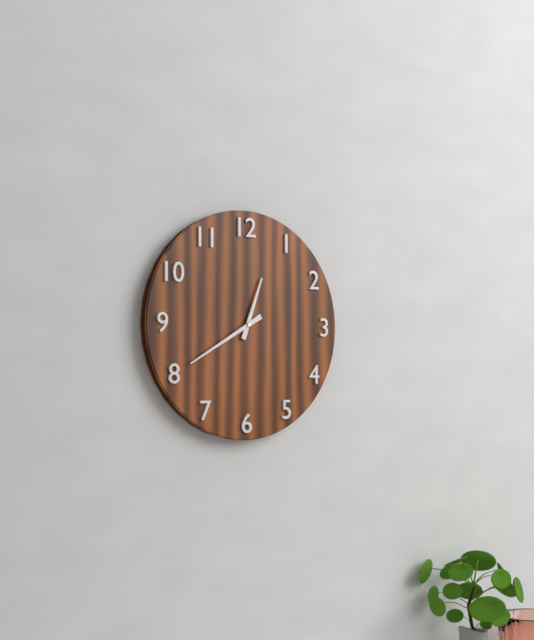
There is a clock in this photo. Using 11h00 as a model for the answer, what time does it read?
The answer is 12h40
